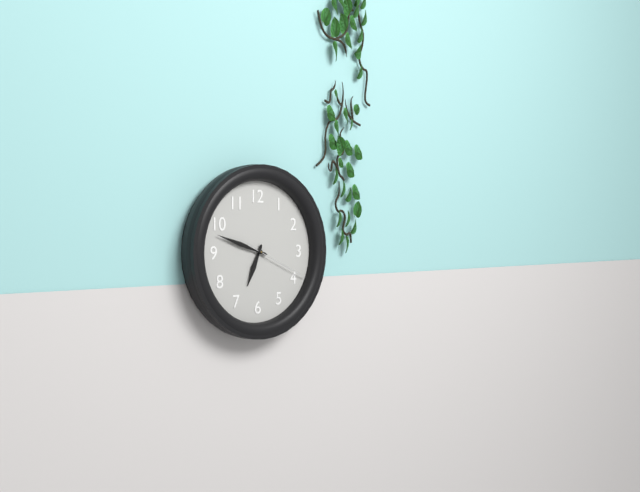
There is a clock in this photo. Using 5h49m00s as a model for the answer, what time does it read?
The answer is 6h48m19s
